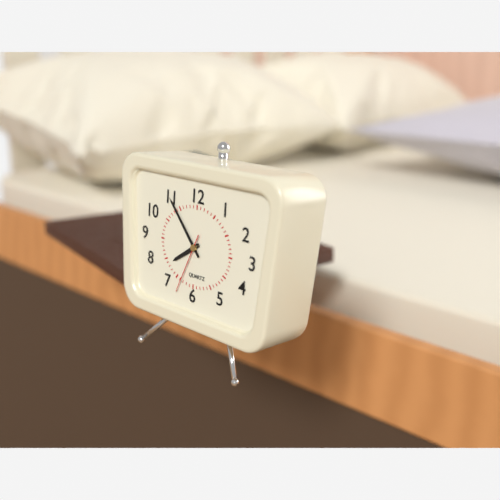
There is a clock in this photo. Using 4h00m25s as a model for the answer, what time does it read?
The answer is 7h53m34s
